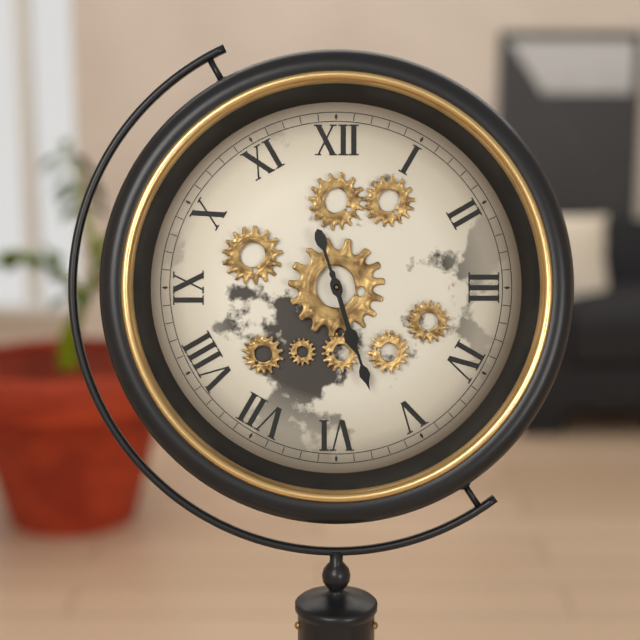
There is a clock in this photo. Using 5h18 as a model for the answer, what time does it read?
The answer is 5h27
